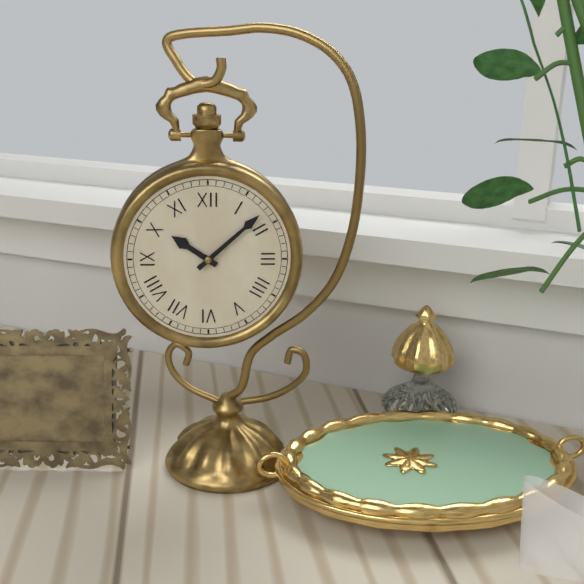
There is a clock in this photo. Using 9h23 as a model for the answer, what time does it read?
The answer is 10h08
